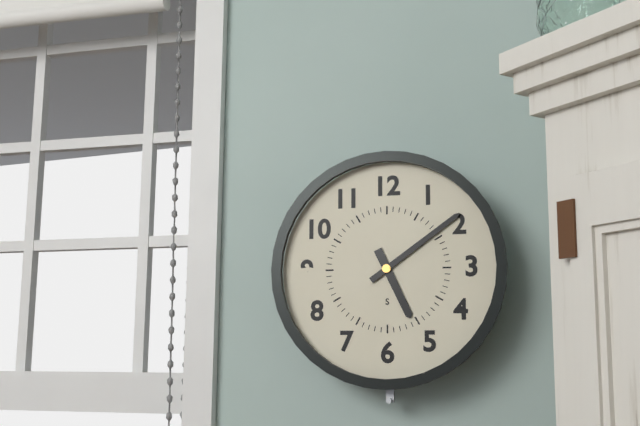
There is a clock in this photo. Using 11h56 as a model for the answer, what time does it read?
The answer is 5h09
